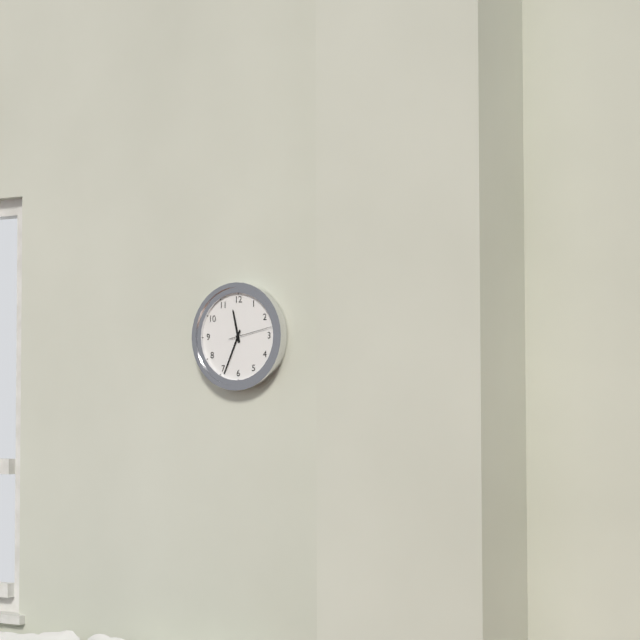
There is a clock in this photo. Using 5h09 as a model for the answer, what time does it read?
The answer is 11h34
